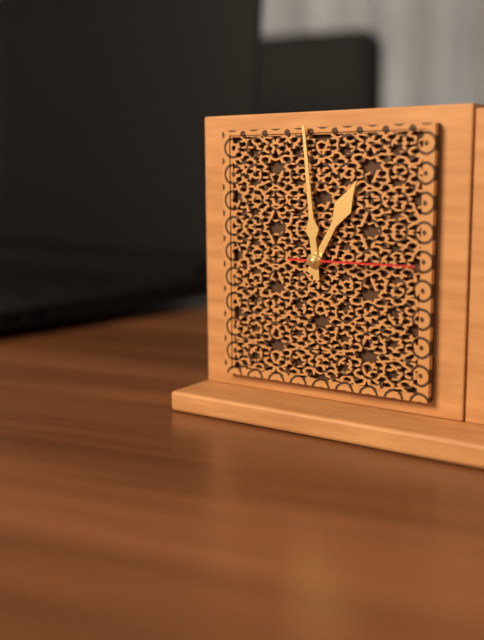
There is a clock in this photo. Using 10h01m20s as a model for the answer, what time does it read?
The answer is 12h59m15s
